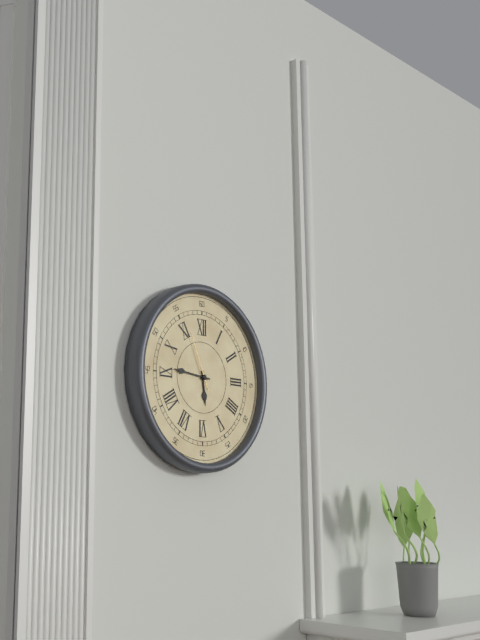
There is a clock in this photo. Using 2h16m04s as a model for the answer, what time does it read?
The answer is 5h46m56s
